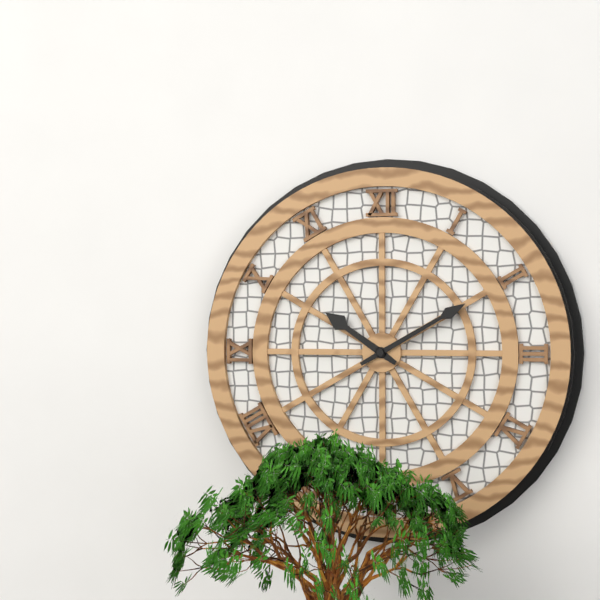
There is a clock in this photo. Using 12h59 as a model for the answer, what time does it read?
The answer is 10h10
